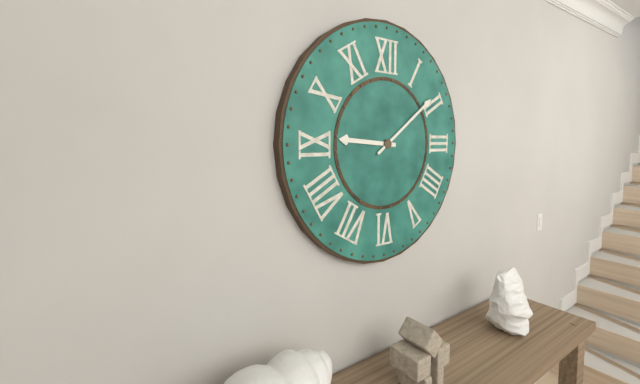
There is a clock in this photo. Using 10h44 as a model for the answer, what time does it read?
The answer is 9h09
